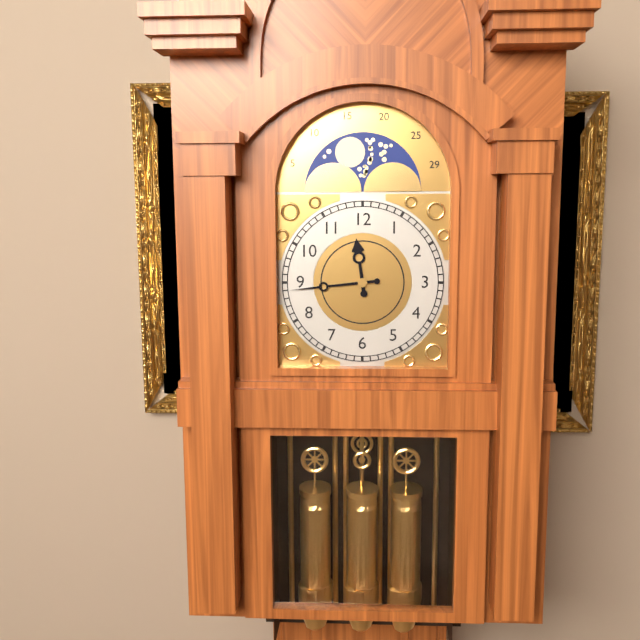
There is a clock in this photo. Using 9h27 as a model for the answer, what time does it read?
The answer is 11h44
